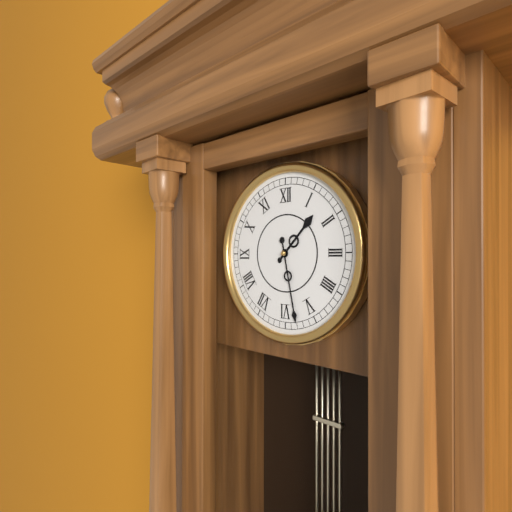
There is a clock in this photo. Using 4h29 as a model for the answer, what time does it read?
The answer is 1h28
